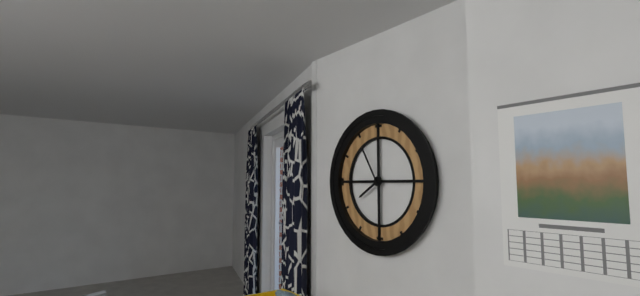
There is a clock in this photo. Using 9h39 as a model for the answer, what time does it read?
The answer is 7h55
